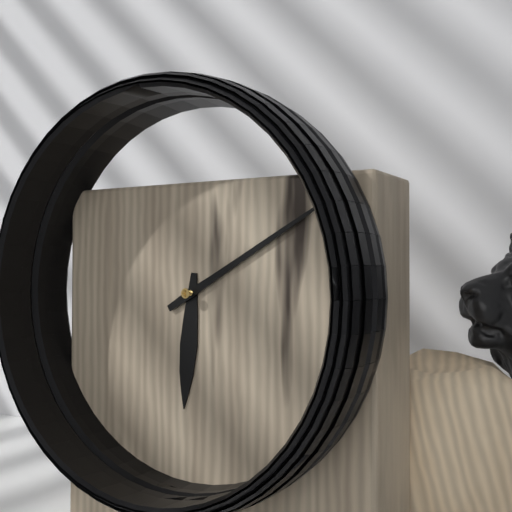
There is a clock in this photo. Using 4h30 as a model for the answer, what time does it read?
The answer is 6h10
